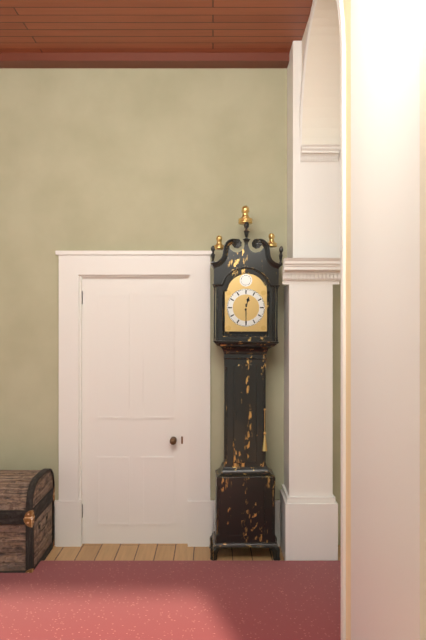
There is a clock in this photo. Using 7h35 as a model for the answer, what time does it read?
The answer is 12h30
